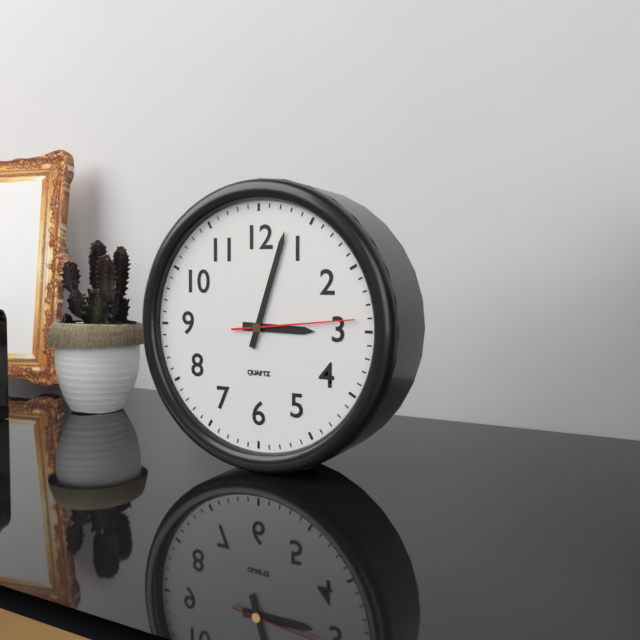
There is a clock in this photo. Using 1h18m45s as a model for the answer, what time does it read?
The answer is 3h03m14s
